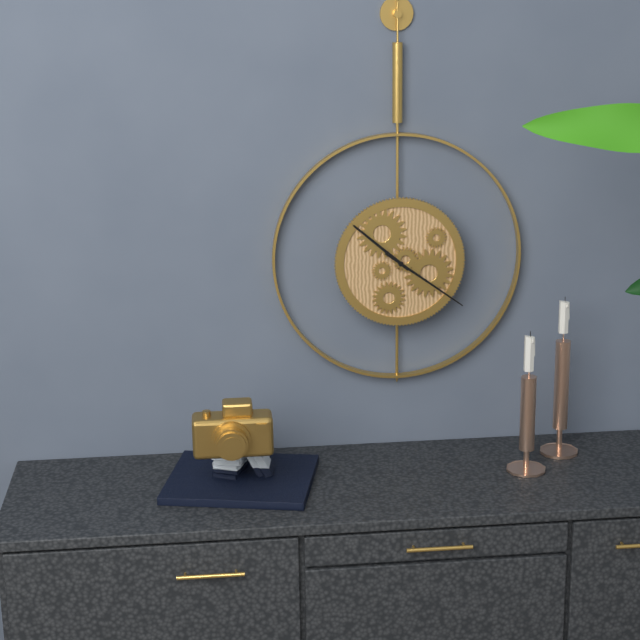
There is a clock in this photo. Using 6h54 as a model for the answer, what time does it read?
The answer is 10h21
